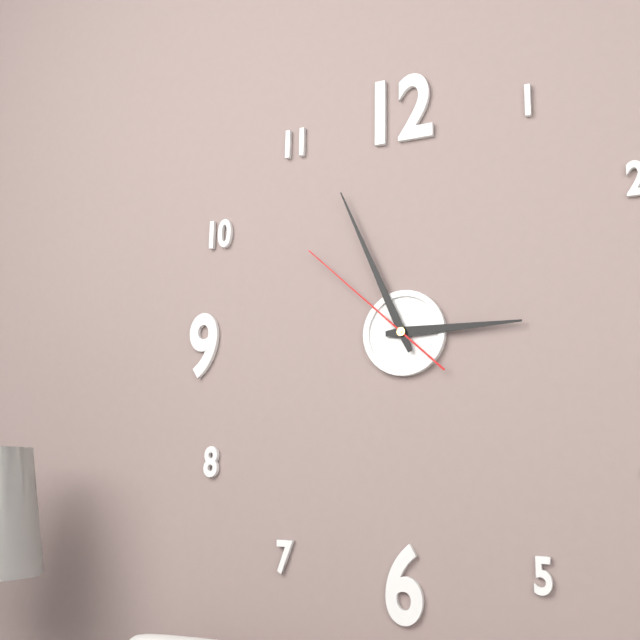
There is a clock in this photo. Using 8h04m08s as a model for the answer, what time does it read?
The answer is 2h56m52s
